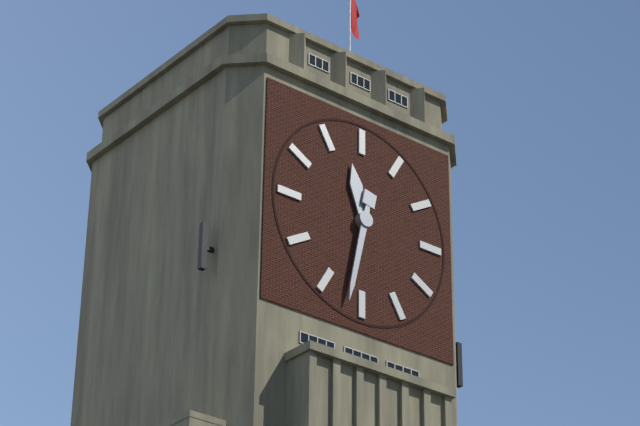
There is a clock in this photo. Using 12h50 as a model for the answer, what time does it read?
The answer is 11h32
